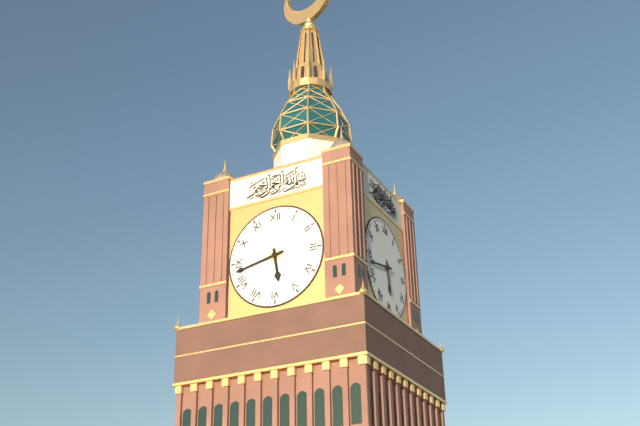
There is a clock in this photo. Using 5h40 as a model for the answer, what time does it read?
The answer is 5h43
